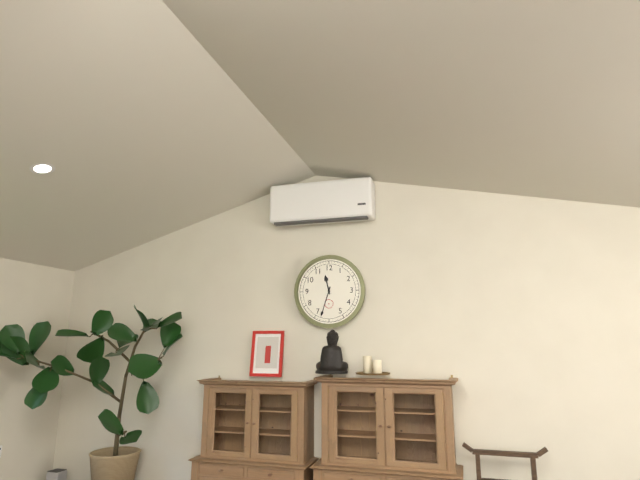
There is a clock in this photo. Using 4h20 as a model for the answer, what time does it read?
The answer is 11h33
